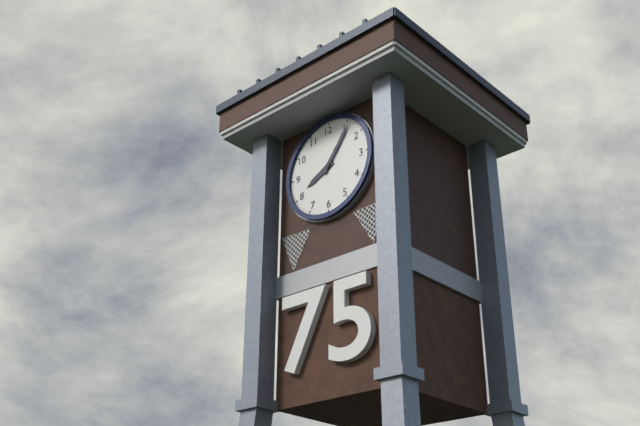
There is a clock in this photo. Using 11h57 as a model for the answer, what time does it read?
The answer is 8h06
